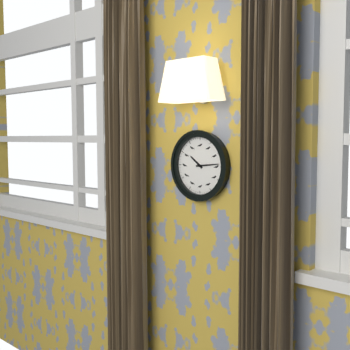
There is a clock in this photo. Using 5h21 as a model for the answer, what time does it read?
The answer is 10h14
